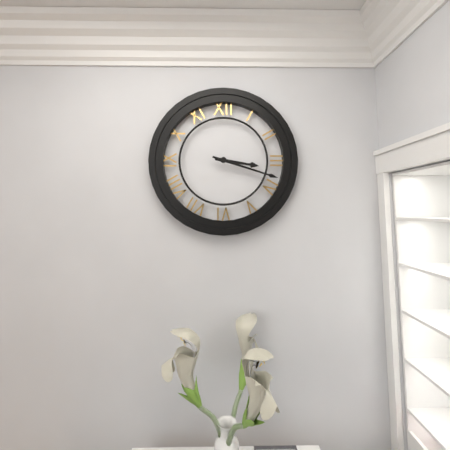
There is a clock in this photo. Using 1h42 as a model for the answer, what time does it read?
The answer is 3h18
